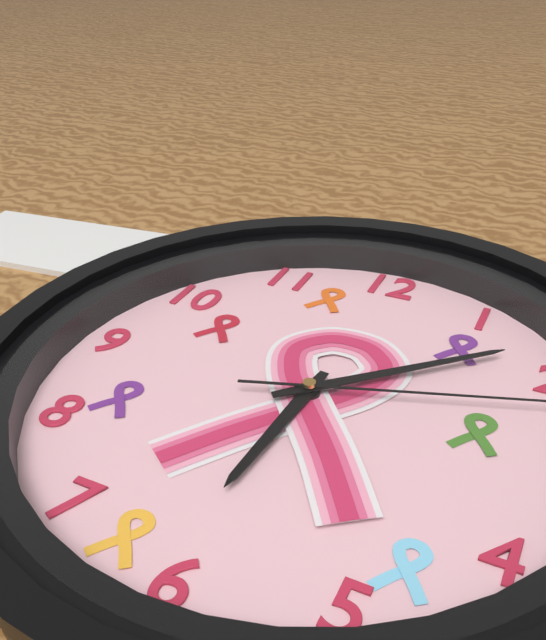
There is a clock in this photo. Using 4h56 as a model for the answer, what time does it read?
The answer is 6h08
